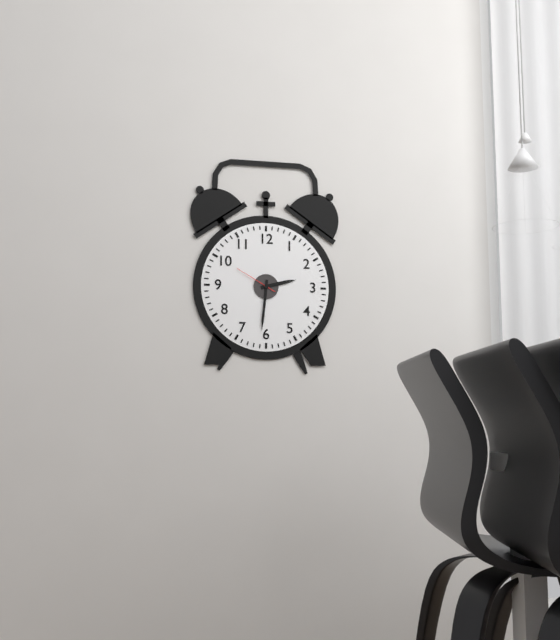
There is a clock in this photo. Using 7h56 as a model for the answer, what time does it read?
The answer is 2h31
